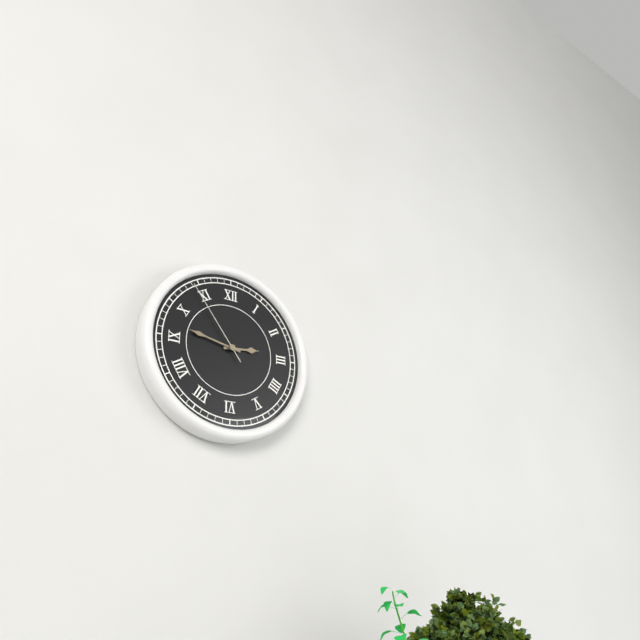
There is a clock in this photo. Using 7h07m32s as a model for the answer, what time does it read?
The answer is 2h47m54s
